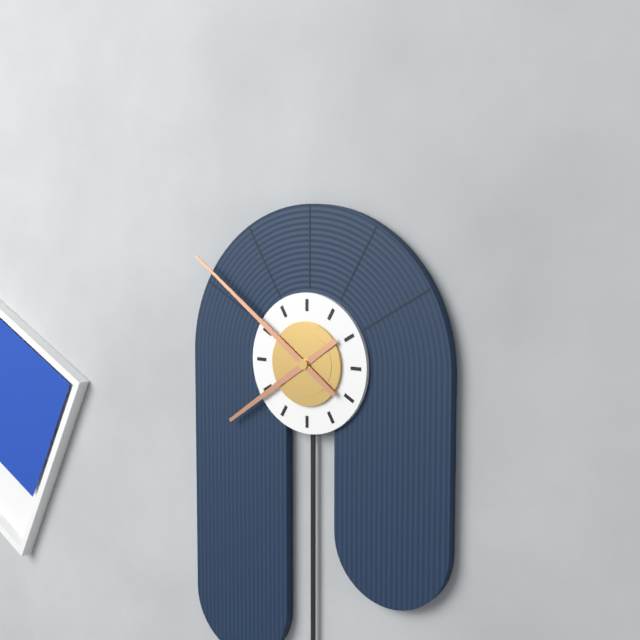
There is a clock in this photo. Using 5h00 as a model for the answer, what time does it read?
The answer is 7h51
